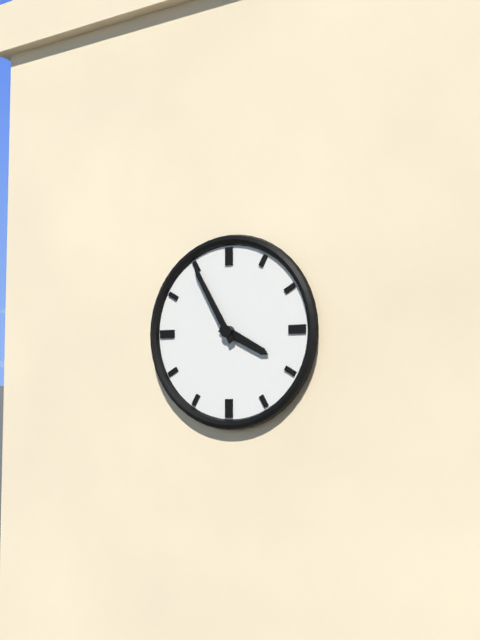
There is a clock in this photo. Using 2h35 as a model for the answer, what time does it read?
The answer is 3h55
